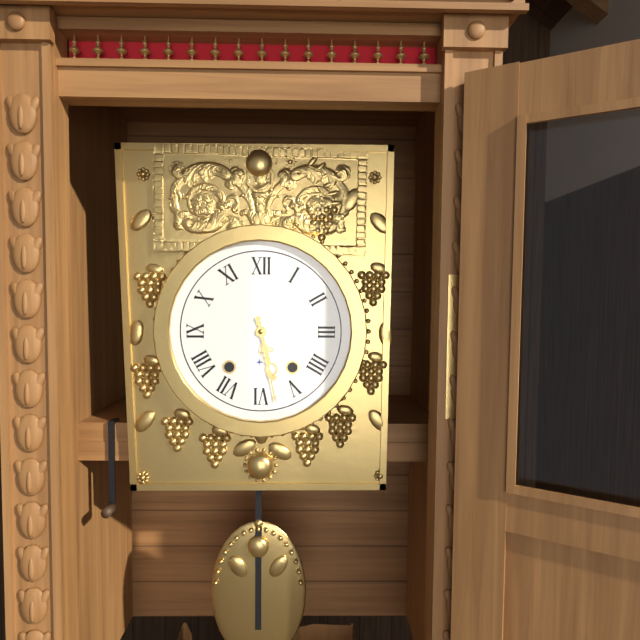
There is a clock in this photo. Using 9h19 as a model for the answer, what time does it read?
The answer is 5h28
